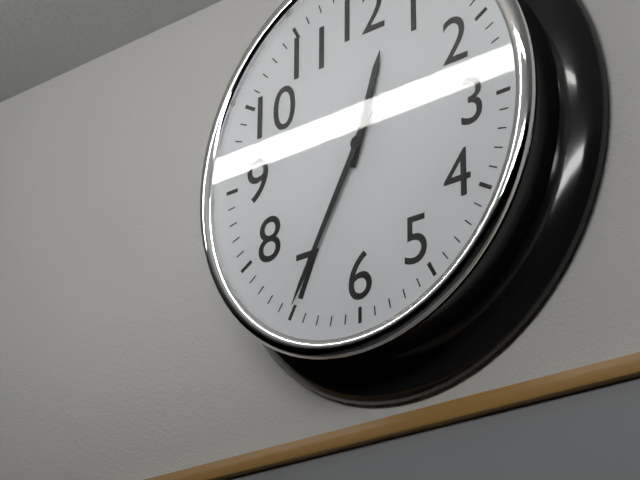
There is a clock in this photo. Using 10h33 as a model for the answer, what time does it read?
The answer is 12h35
